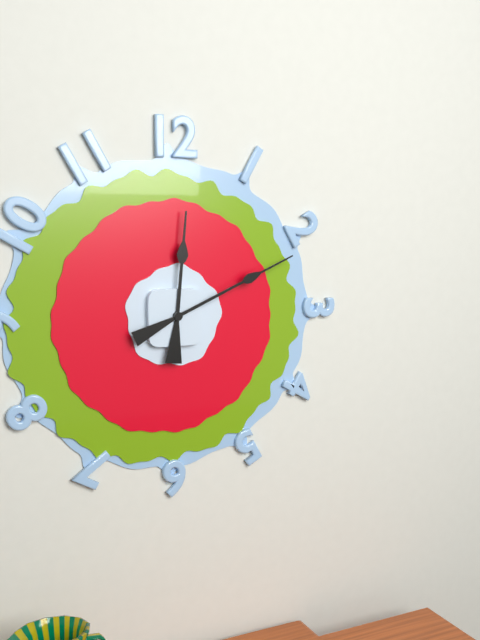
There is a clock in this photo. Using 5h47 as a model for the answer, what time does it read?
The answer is 12h11
